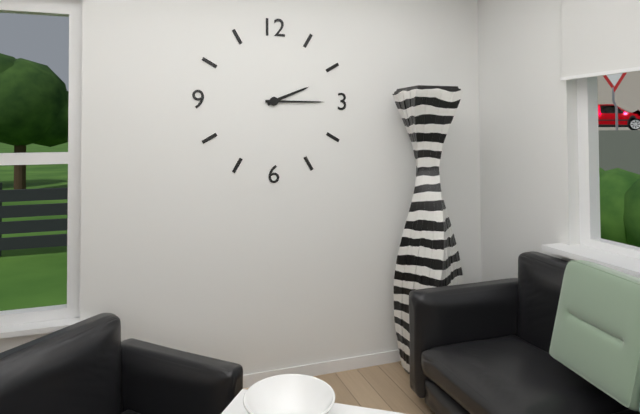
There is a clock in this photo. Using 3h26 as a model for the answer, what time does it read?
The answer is 2h15
